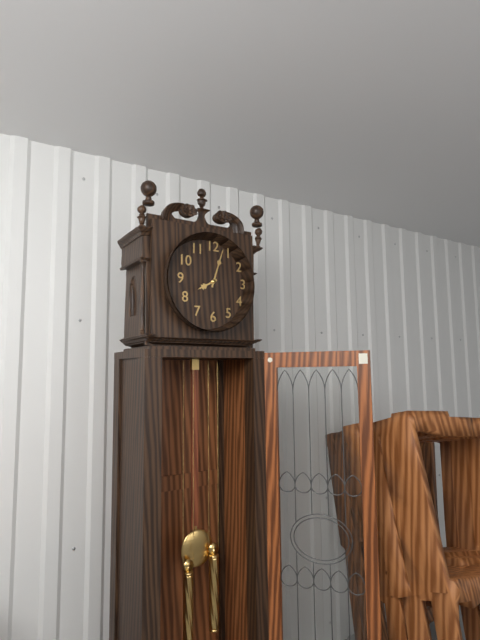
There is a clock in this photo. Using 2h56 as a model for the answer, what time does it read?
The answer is 8h03
